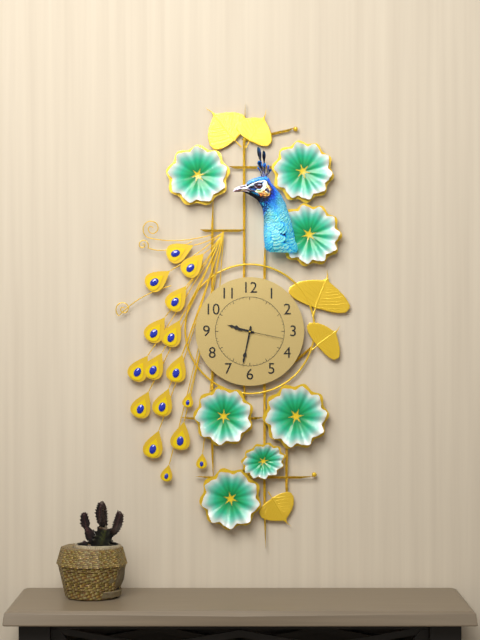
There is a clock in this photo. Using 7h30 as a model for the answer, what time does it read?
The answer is 9h32
